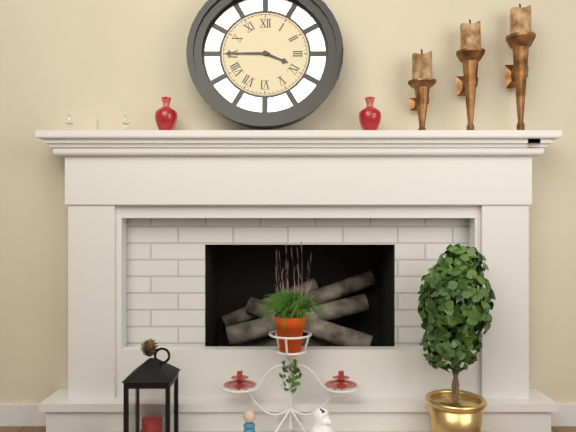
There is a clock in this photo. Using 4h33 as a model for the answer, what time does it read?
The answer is 3h45
